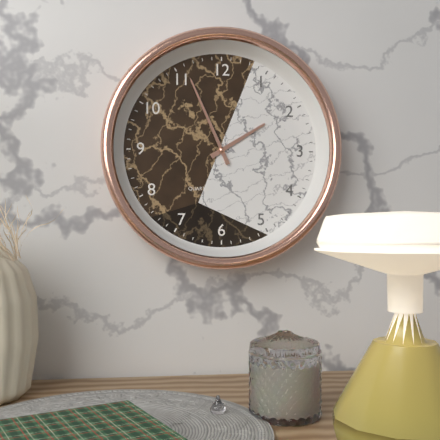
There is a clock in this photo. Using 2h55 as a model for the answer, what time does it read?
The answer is 1h56
